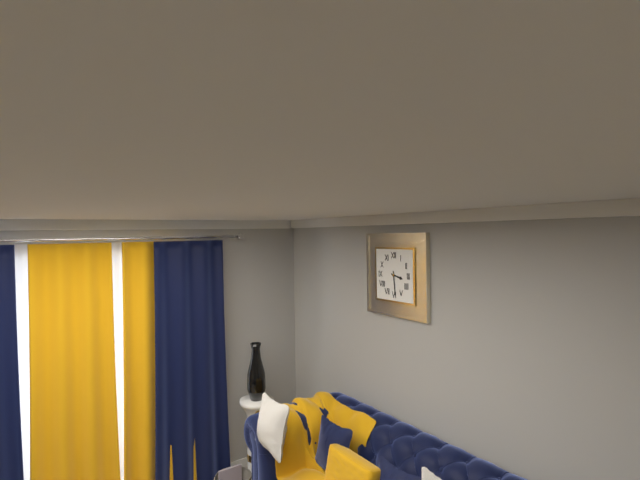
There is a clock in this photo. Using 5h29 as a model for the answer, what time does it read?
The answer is 3h29
